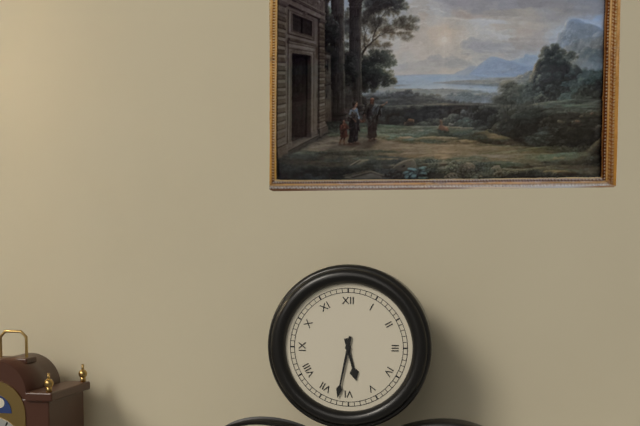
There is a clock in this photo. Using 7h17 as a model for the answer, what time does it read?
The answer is 5h32
